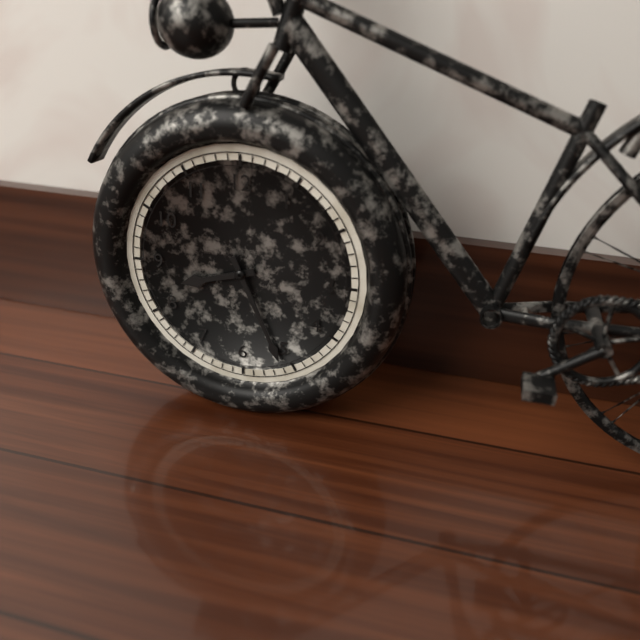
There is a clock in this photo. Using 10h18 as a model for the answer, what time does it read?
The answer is 8h26
